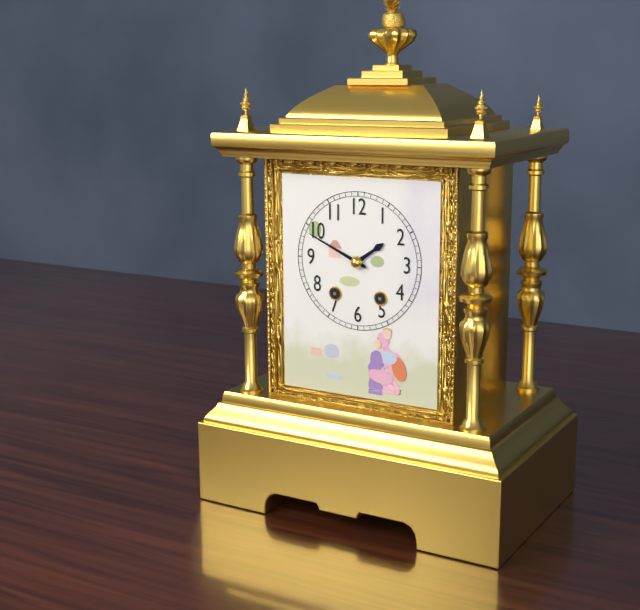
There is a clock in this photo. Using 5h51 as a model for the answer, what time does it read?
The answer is 1h49
